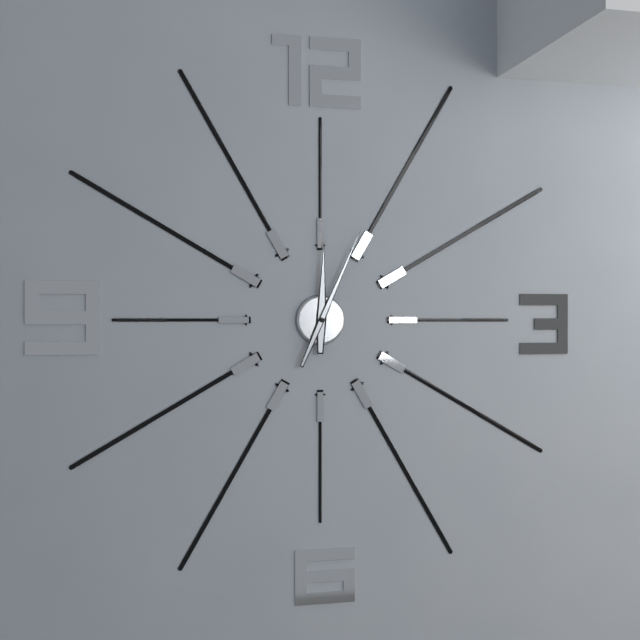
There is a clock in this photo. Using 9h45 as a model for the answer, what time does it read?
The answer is 12h04
